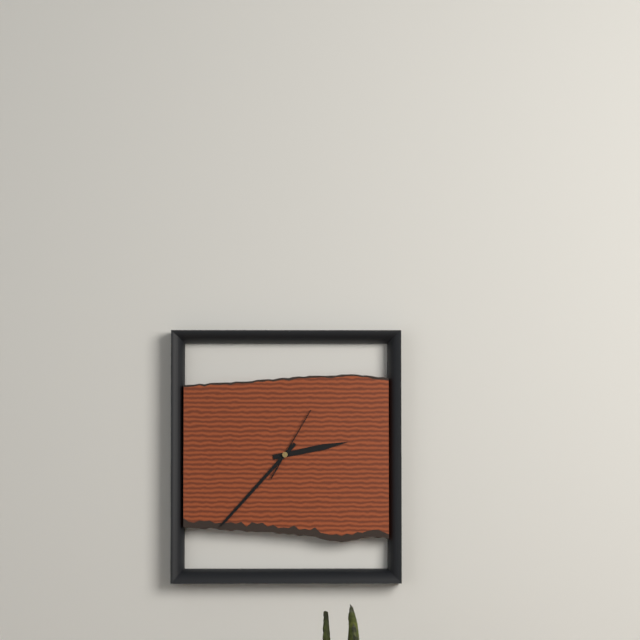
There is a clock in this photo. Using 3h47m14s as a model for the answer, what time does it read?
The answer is 2h37m05s
